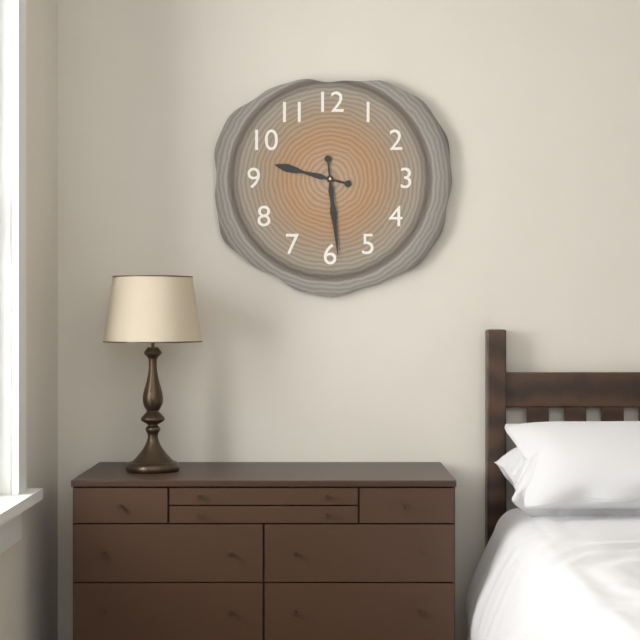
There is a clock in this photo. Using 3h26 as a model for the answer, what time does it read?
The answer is 9h29
